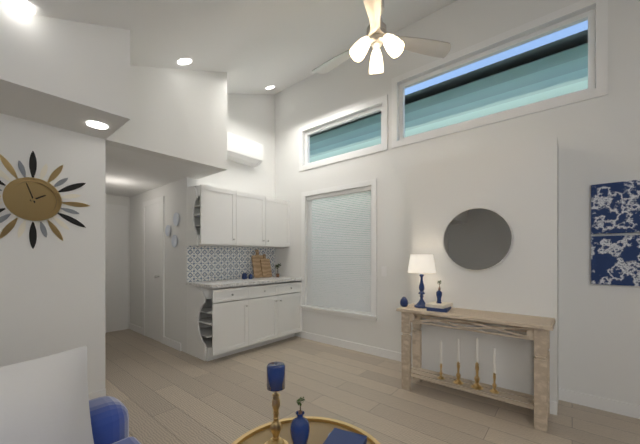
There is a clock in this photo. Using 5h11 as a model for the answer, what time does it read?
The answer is 1h57
